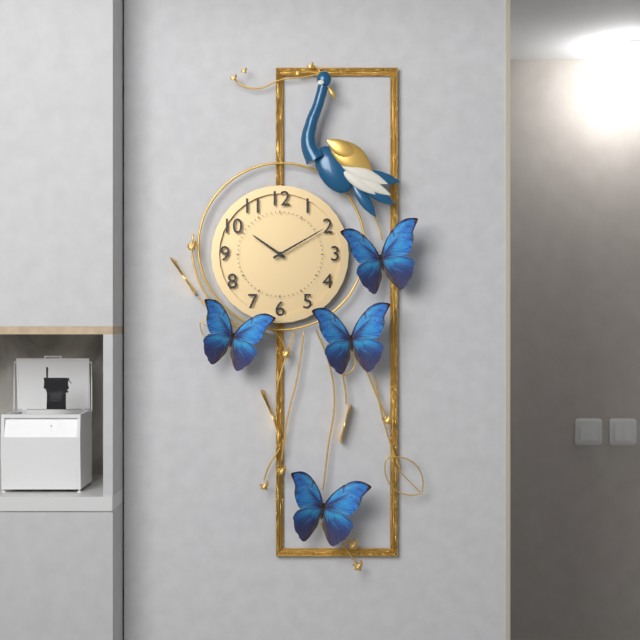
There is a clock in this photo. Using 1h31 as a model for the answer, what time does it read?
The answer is 10h10
